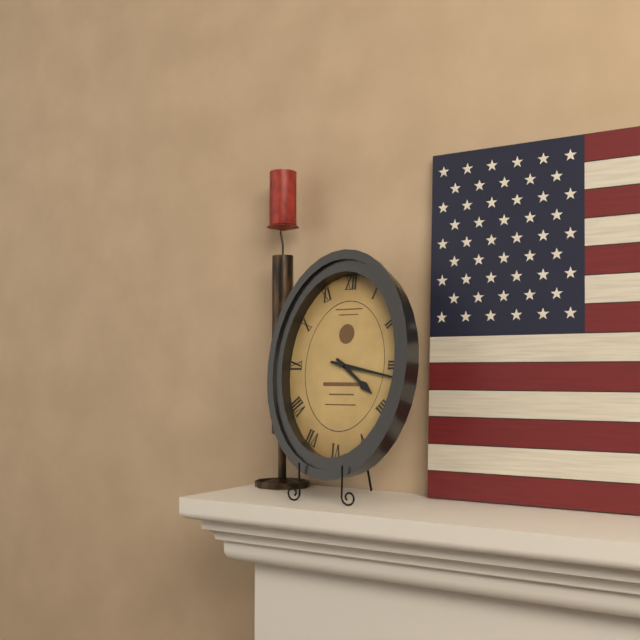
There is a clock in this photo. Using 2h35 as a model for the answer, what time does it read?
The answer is 4h17
